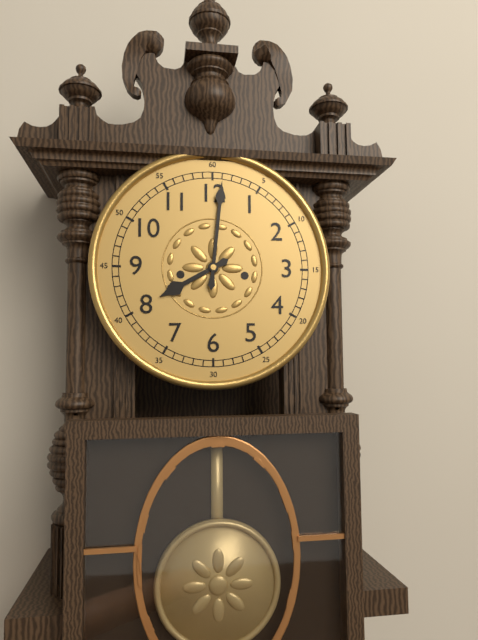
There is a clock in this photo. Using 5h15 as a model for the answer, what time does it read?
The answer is 8h01
